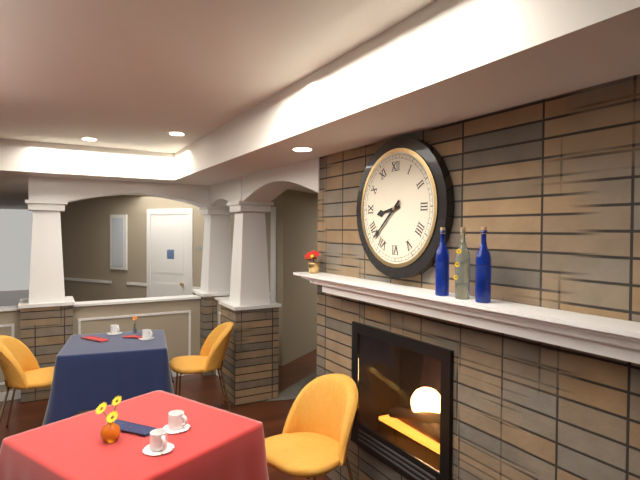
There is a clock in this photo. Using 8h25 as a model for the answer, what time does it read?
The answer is 8h38
